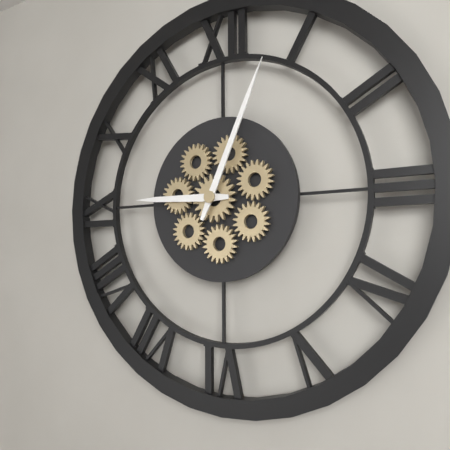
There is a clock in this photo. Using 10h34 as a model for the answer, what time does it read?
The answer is 9h04
